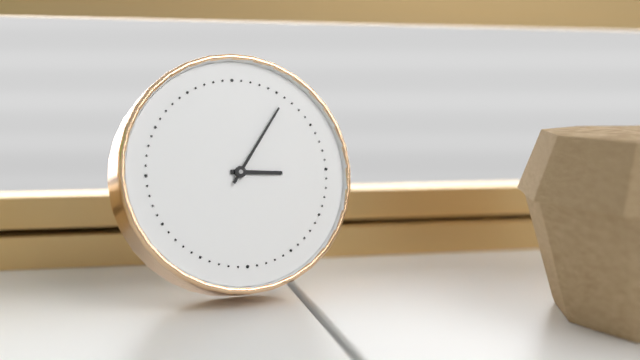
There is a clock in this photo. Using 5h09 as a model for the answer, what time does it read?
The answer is 3h06
